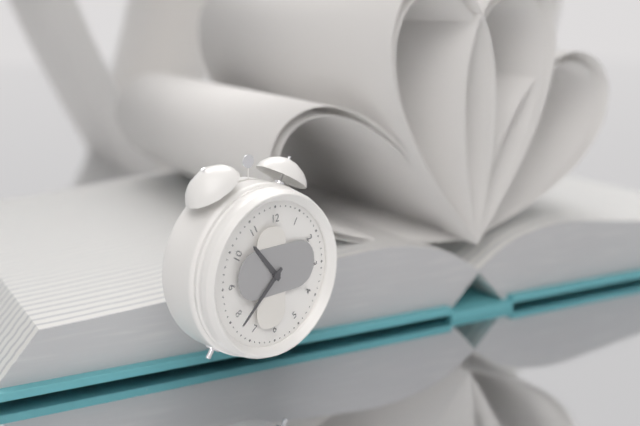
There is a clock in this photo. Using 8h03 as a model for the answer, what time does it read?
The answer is 10h38
